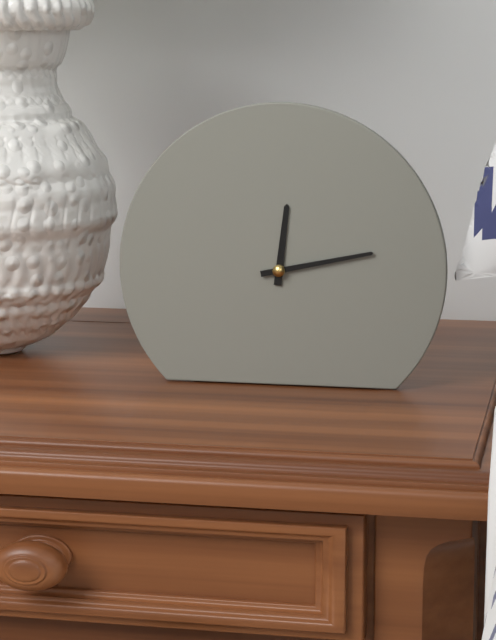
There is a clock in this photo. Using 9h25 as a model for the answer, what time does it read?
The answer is 12h13
